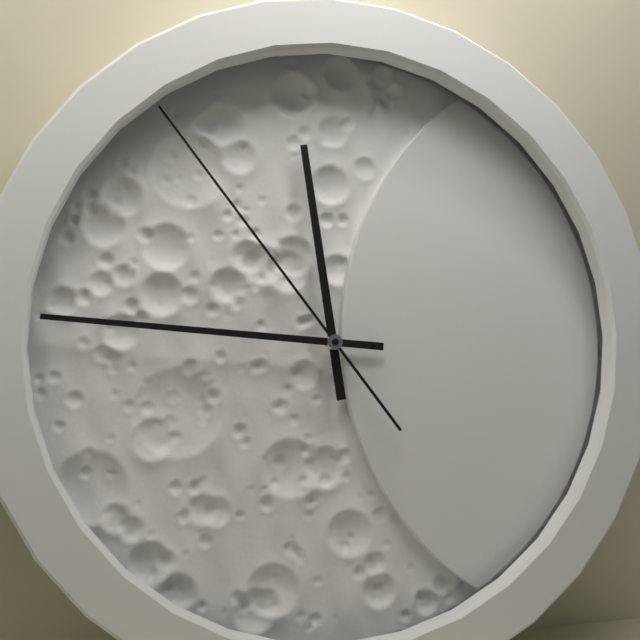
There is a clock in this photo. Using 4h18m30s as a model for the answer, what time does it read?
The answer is 11h46m54s
